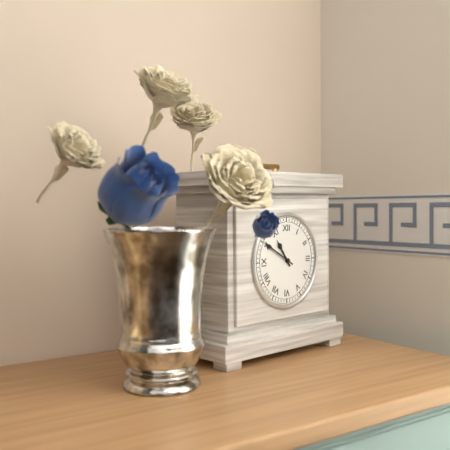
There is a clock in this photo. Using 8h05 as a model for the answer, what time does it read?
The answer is 10h50
